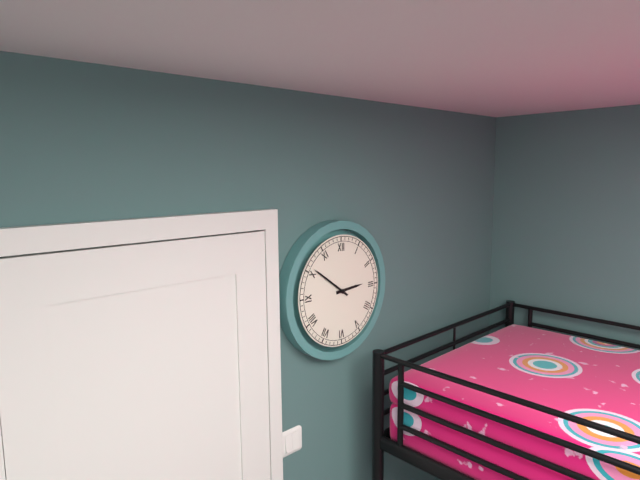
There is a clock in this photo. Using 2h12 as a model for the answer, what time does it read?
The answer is 2h51
